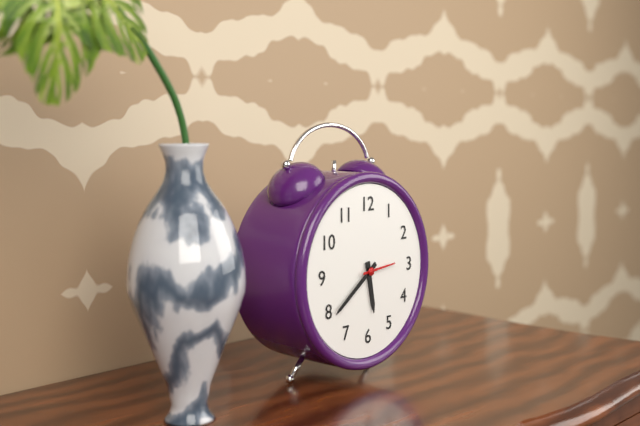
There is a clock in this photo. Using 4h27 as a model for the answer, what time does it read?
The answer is 5h39
